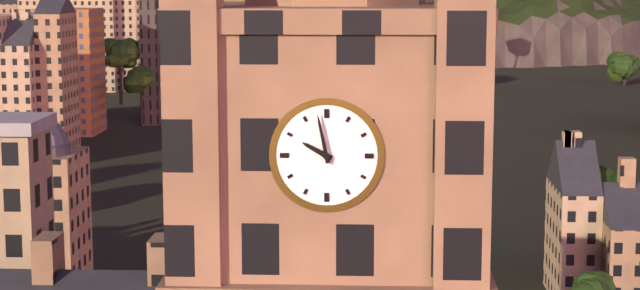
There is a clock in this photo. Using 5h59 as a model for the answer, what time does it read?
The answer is 9h58
